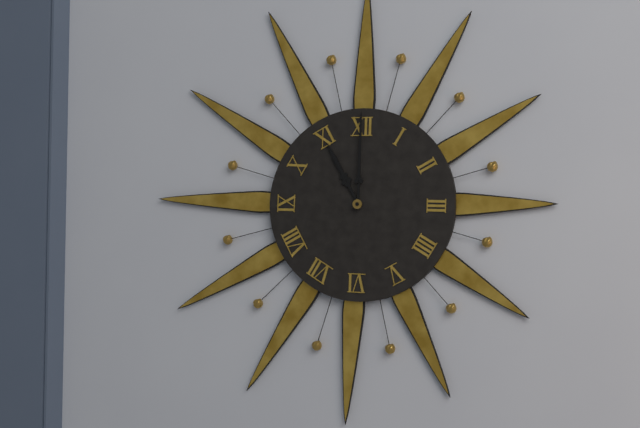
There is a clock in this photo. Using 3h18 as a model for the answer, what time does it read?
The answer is 11h00
